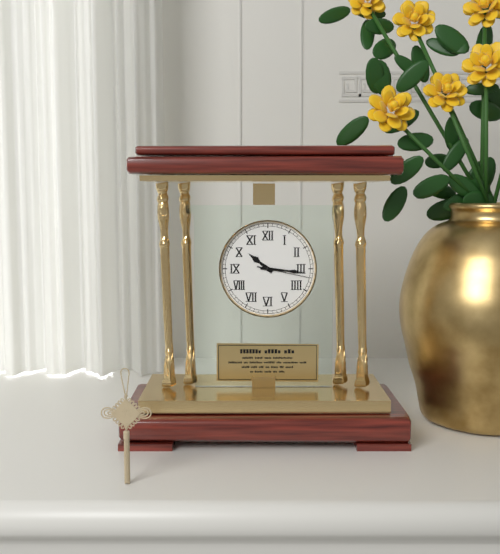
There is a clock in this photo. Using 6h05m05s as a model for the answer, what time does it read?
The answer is 10h16m17s
